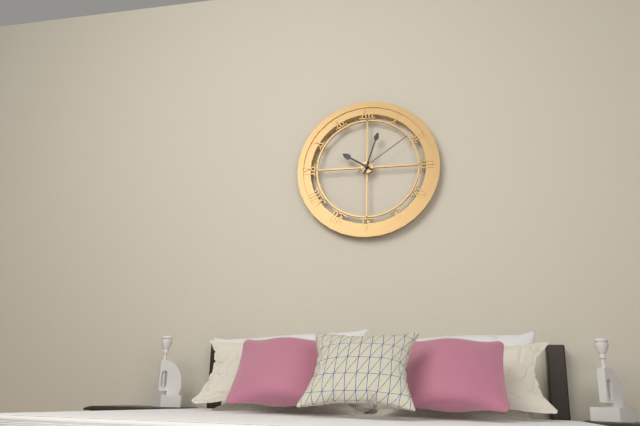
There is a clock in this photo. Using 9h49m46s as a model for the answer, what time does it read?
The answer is 10h03m09s
